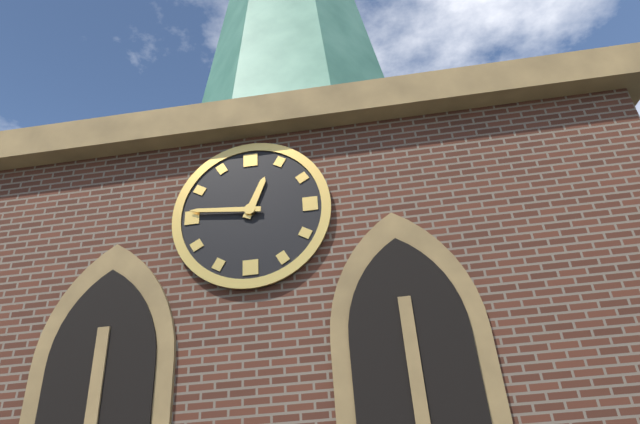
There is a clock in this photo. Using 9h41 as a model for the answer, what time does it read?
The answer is 12h46
